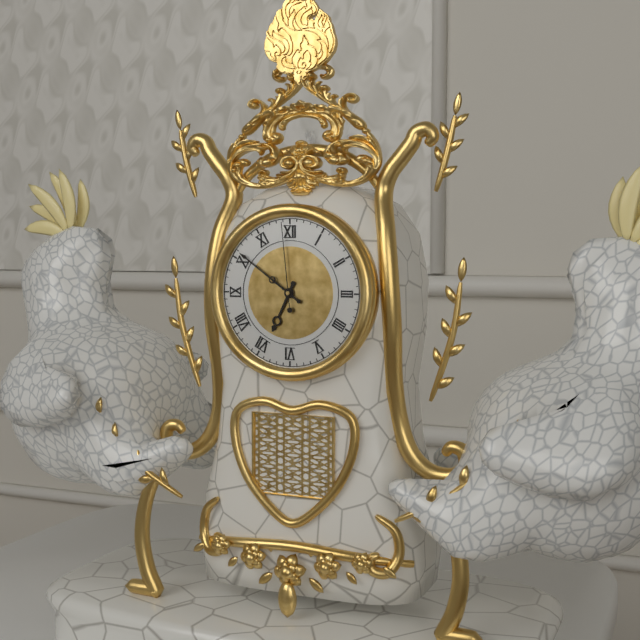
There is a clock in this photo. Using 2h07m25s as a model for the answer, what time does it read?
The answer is 6h51m59s
